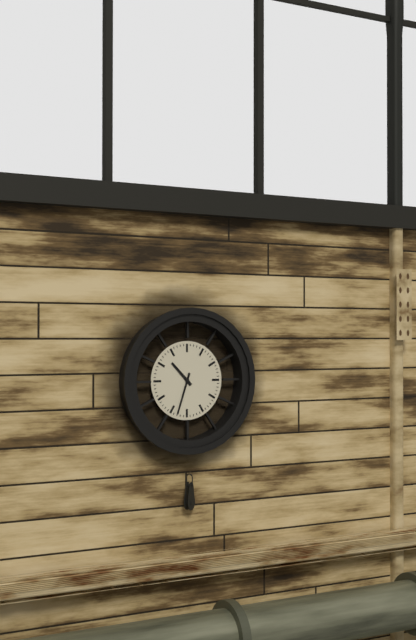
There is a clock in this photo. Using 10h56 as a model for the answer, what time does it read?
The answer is 10h33
